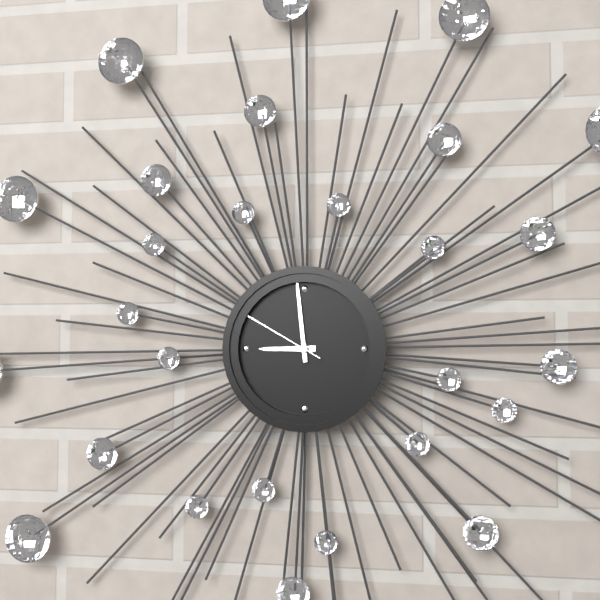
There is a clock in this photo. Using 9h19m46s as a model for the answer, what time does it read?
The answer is 8h59m50s
